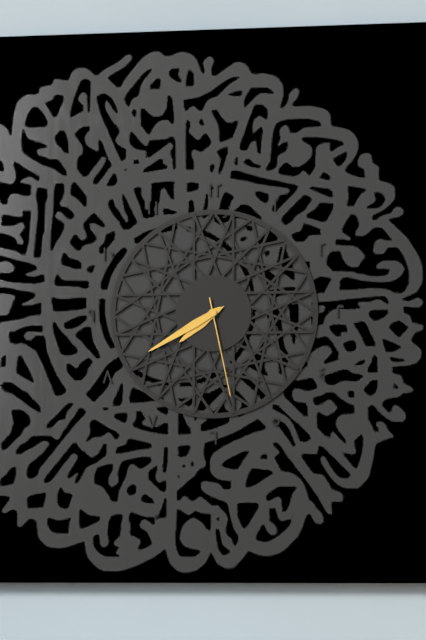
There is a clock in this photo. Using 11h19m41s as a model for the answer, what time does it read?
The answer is 7h40m28s
